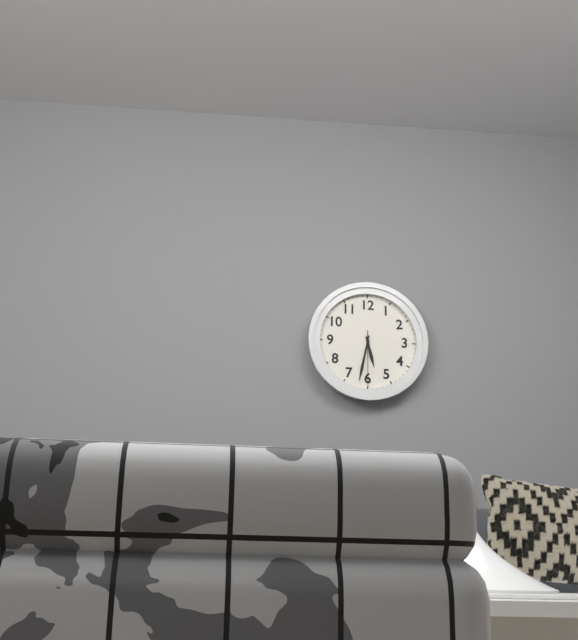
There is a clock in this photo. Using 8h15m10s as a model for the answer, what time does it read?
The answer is 5h32m30s
